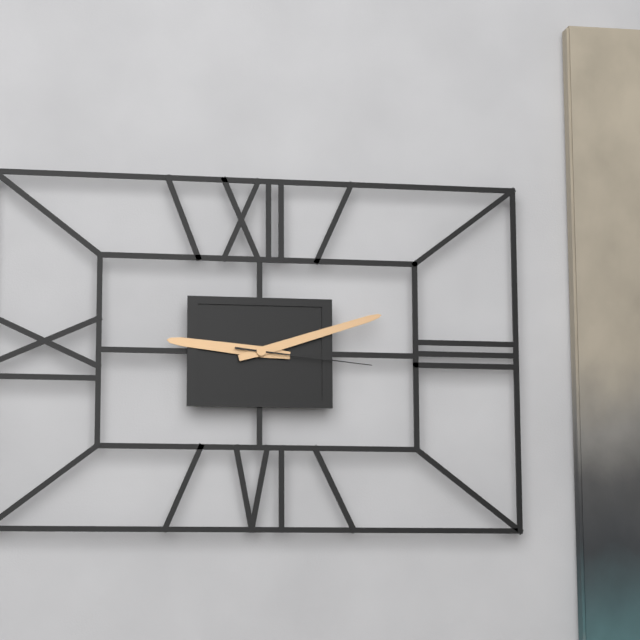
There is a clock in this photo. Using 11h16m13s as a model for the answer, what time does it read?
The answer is 9h12m16s
